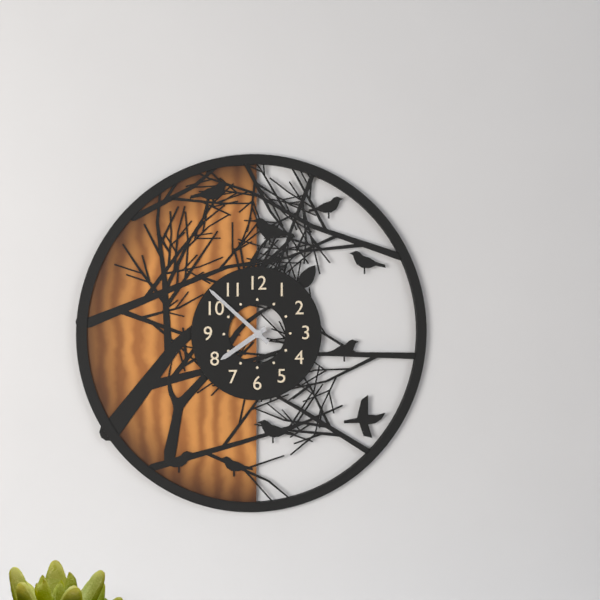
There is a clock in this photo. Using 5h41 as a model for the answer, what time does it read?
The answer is 7h52
